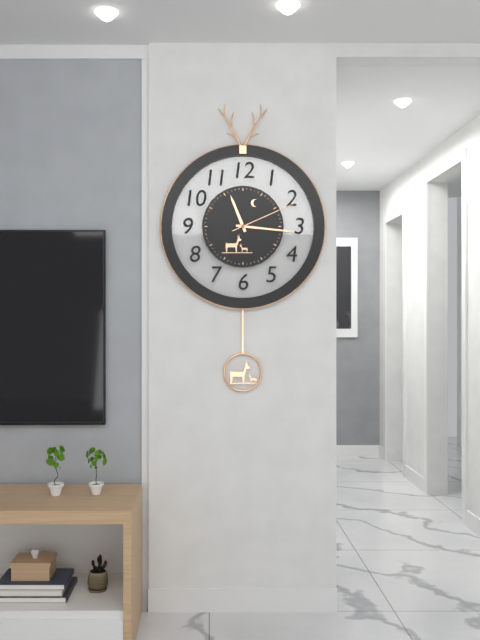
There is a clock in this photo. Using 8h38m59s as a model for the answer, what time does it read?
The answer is 11h16m11s
